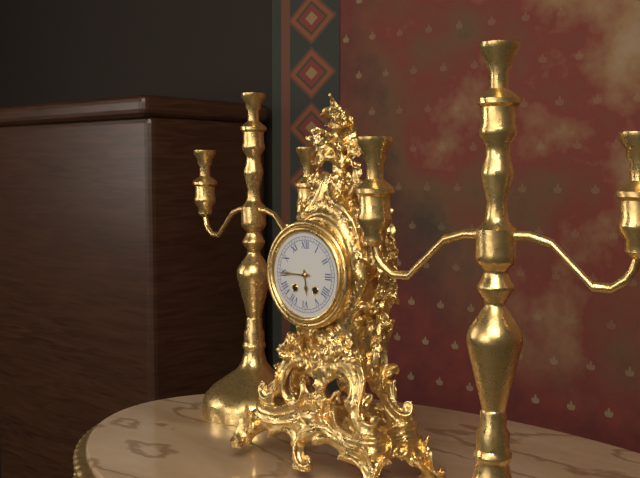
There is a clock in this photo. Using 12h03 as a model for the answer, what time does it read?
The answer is 5h45
